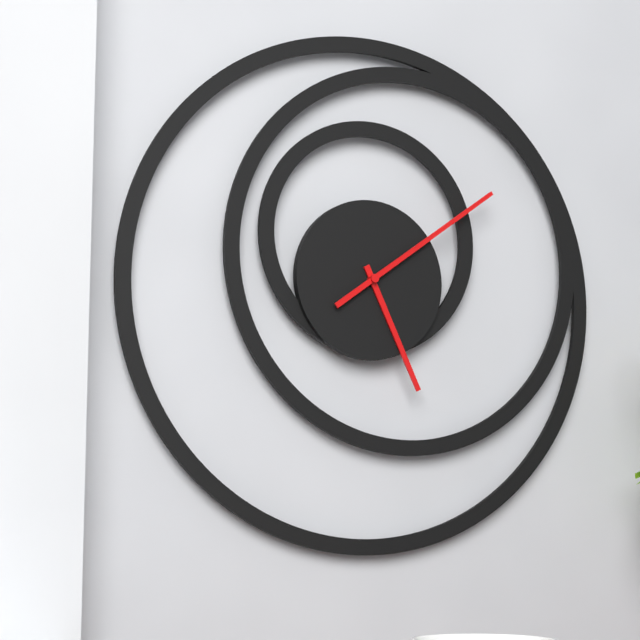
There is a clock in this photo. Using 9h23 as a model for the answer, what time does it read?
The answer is 5h09
